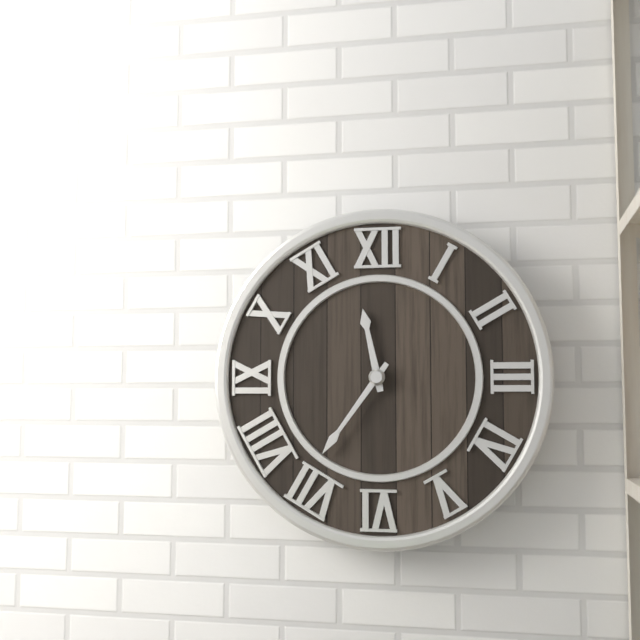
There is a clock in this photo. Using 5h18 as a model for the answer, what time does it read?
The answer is 11h36
